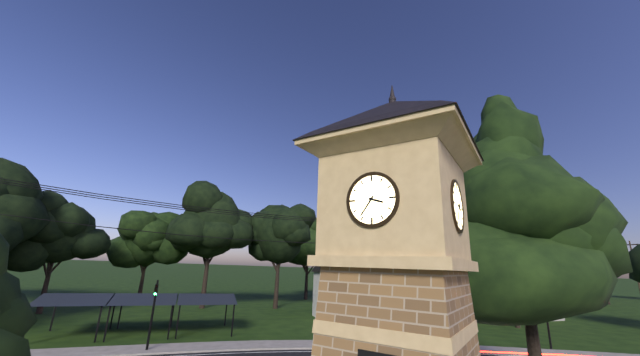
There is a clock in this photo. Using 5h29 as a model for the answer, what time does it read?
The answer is 3h36
